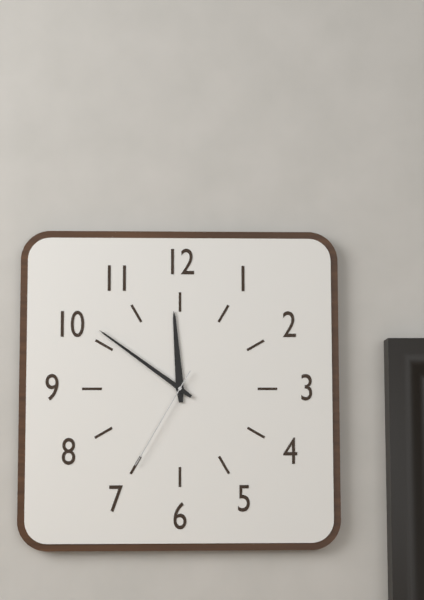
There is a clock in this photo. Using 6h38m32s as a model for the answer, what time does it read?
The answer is 11h51m35s
